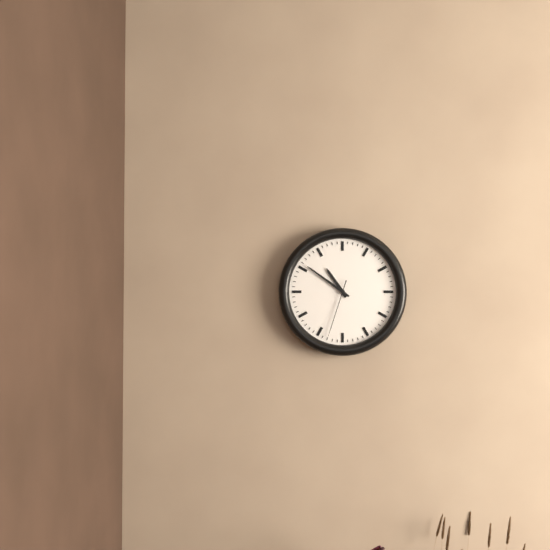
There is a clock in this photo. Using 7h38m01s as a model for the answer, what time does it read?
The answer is 10h51m33s
